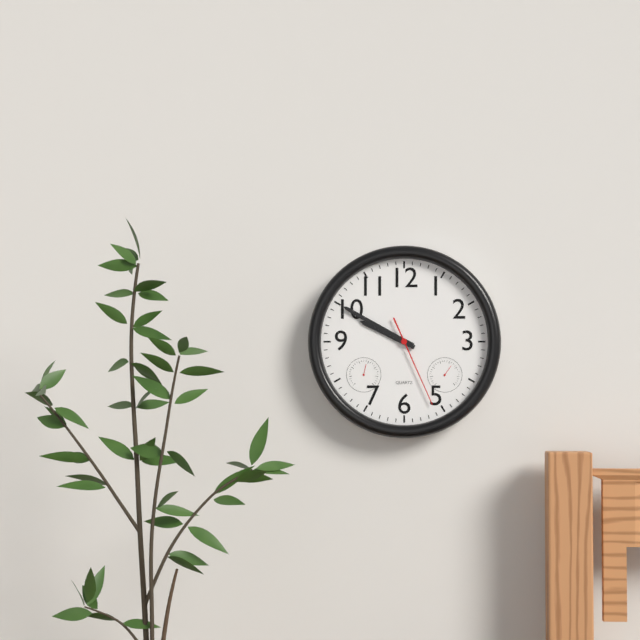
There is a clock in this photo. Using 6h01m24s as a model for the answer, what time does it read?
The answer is 9h50m26s
